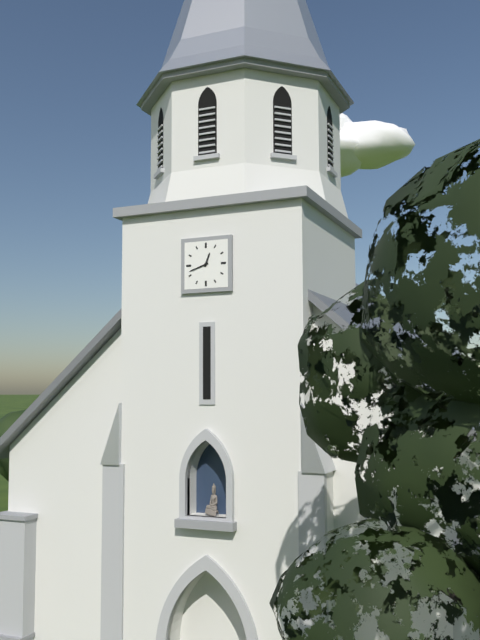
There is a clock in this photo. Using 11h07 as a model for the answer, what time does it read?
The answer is 12h42
